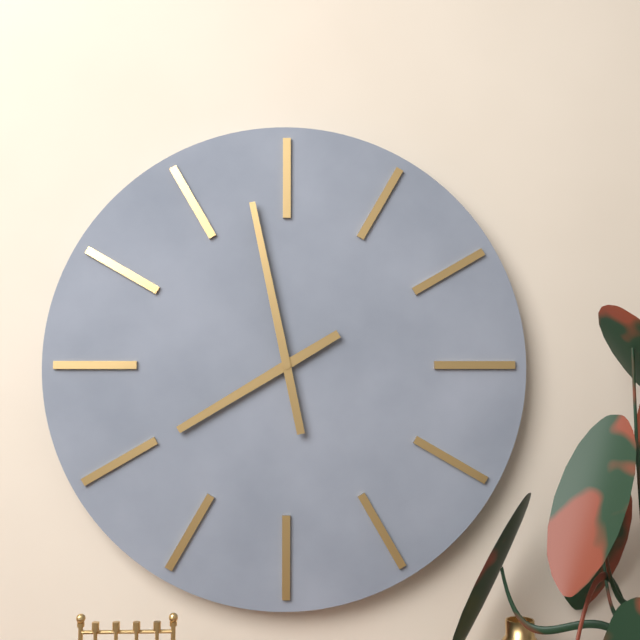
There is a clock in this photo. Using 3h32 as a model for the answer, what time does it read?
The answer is 7h58
